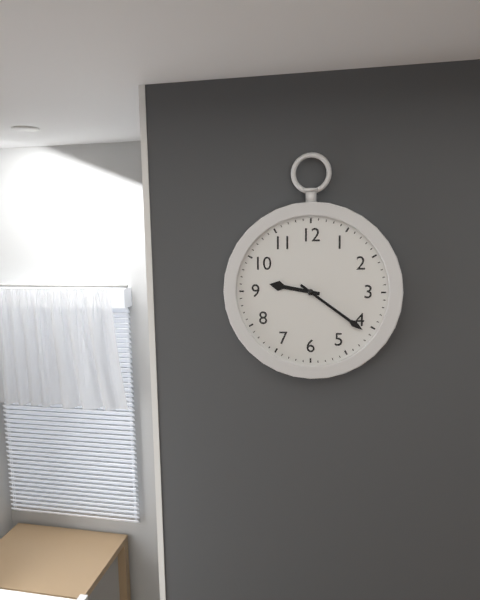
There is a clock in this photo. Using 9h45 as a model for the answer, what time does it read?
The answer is 9h21
